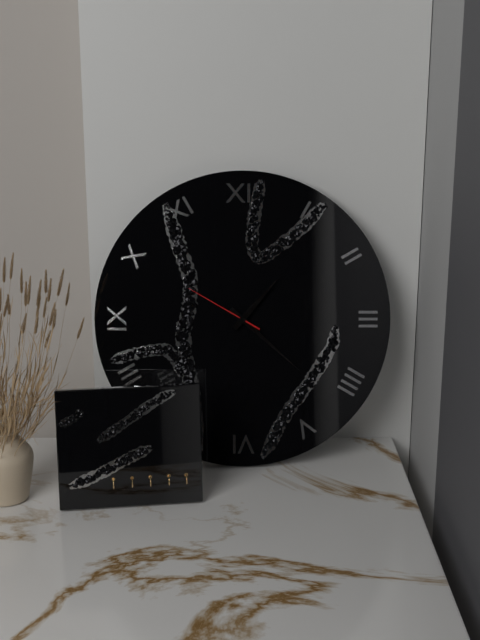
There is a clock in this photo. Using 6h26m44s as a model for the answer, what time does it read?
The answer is 1h22m50s
